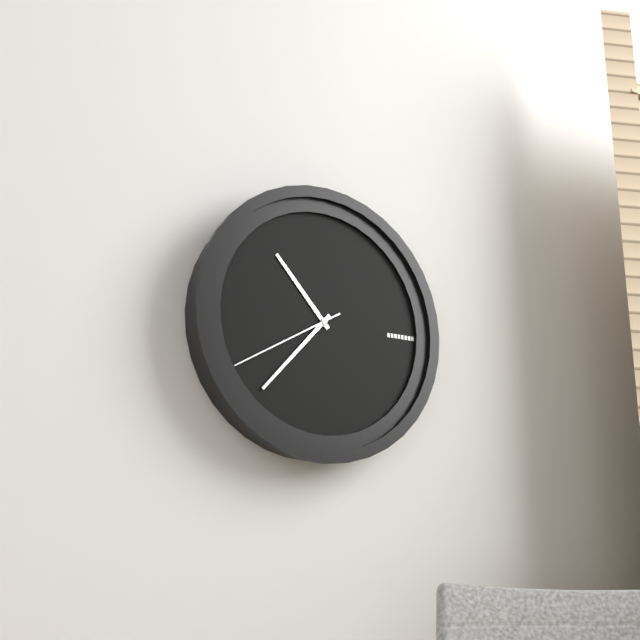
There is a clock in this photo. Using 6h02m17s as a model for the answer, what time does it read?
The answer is 10h37m40s
